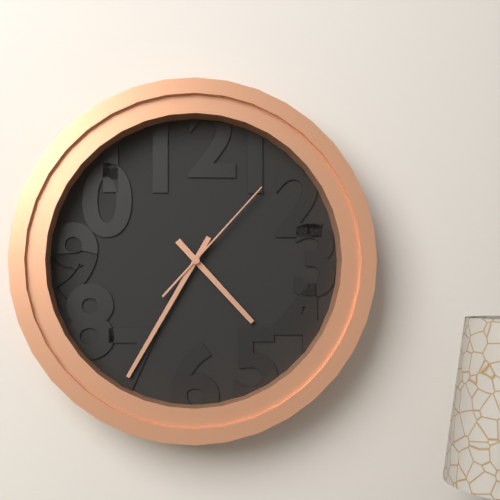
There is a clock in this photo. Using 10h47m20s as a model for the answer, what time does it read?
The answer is 4h35m07s
